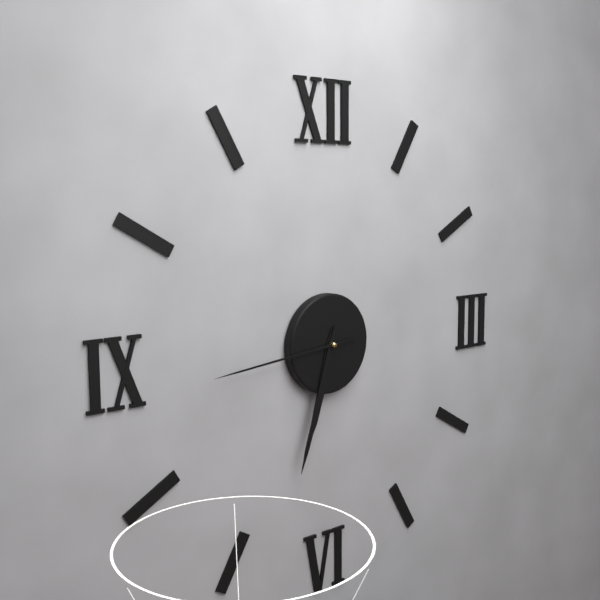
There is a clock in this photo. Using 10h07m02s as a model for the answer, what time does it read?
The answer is 6h33m44s
